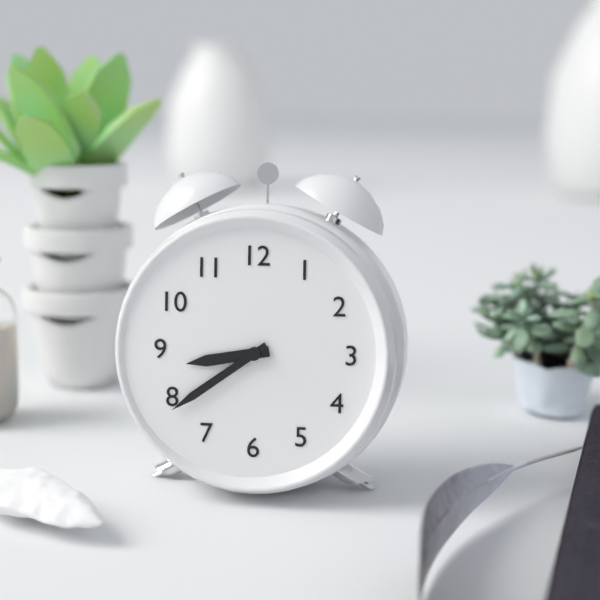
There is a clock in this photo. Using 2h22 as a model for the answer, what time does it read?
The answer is 8h39
